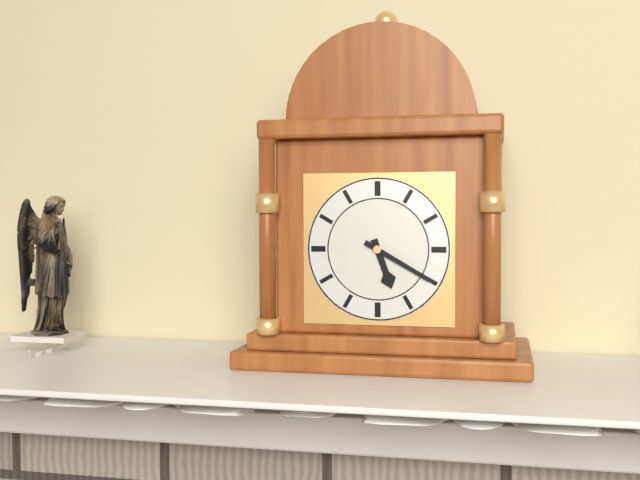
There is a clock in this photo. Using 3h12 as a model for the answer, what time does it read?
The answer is 5h20
